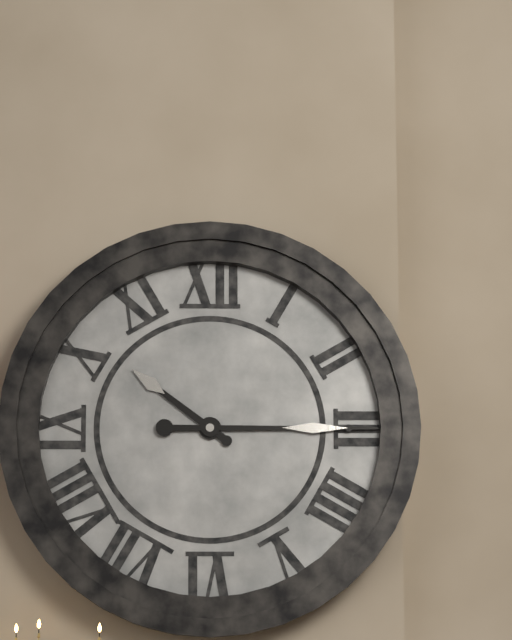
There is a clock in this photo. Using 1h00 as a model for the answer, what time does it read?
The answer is 10h15
